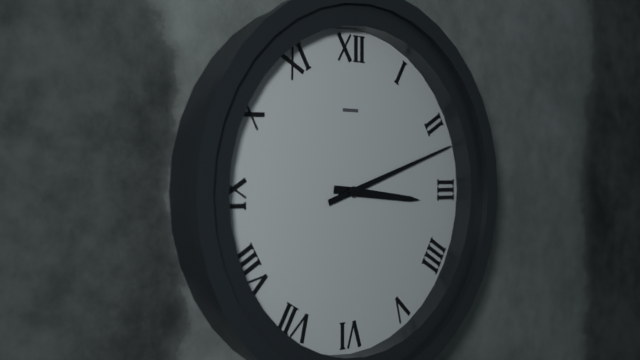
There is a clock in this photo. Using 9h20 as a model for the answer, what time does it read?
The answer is 3h12
